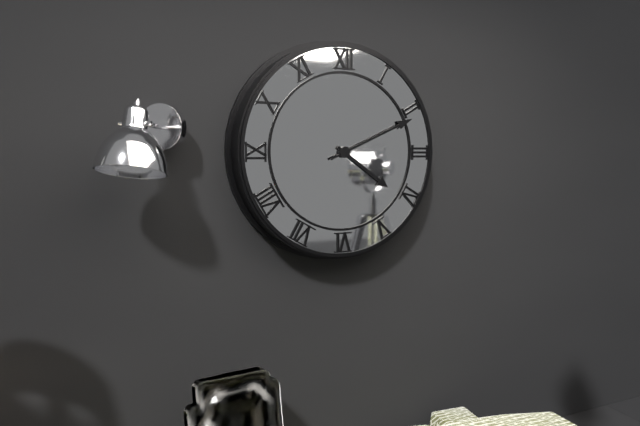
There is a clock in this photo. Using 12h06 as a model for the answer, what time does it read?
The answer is 4h11
